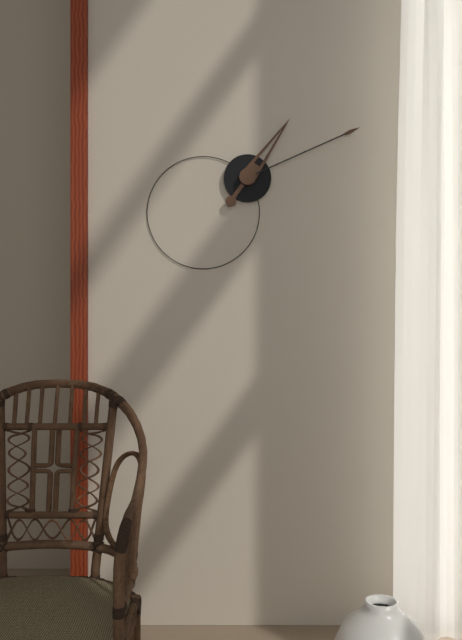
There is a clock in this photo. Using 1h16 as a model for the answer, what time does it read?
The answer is 1h11
